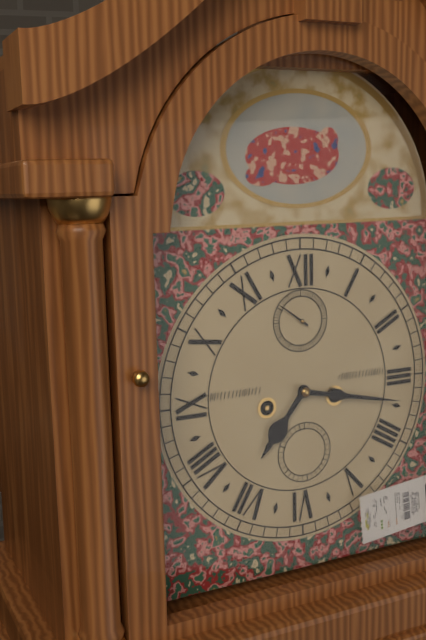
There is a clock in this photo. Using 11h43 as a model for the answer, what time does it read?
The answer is 7h17
